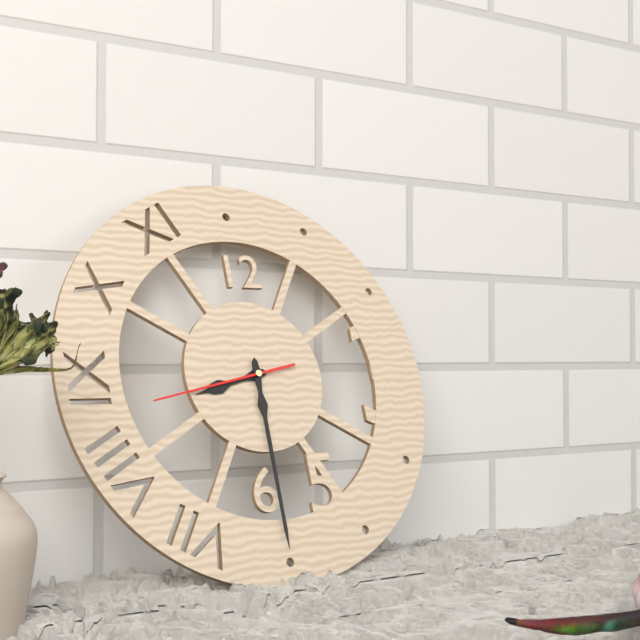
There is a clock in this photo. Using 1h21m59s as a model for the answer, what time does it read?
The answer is 8h30m43s
